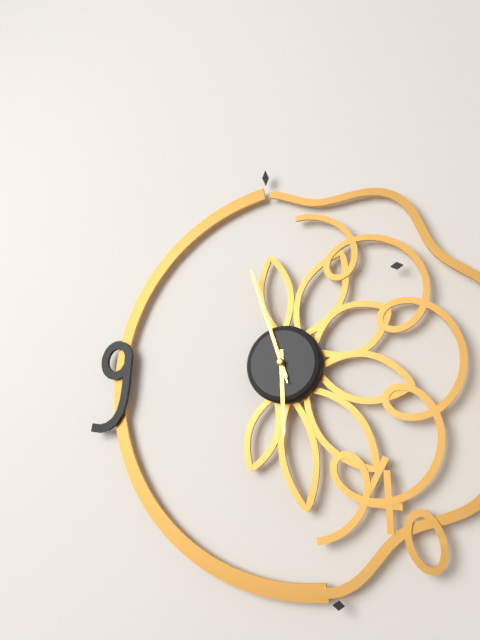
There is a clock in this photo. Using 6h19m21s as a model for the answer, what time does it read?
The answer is 5h57m57s
